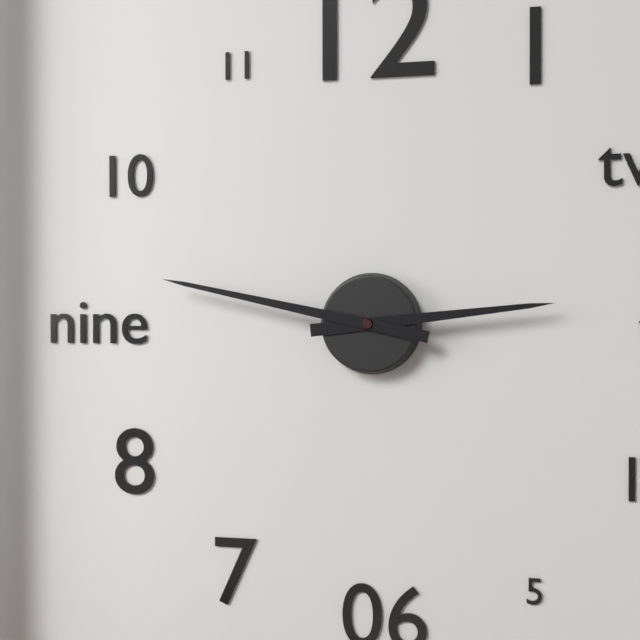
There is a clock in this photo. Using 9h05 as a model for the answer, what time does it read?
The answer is 2h47
